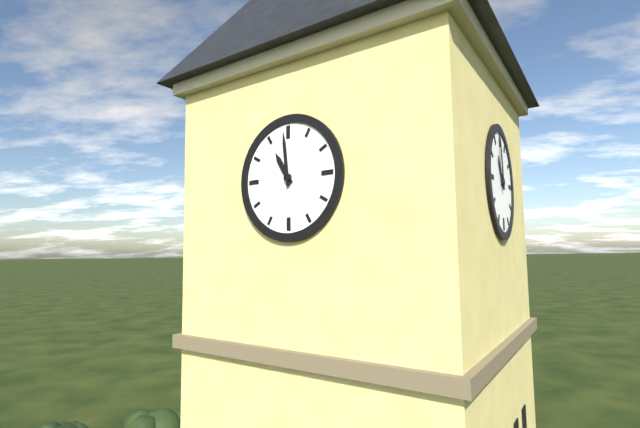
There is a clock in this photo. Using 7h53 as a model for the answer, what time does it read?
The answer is 10h59
